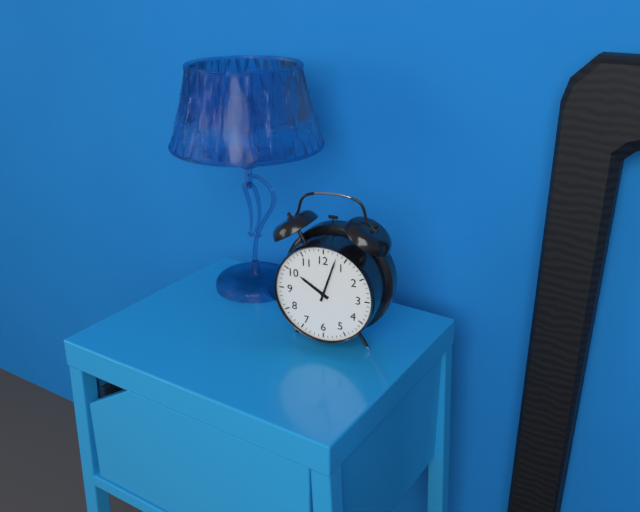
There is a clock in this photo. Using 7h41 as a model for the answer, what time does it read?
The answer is 10h03
